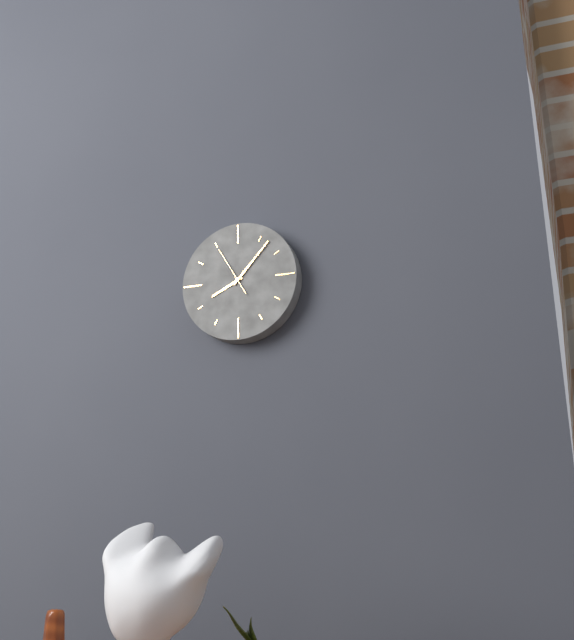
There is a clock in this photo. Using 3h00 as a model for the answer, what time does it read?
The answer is 8h07
